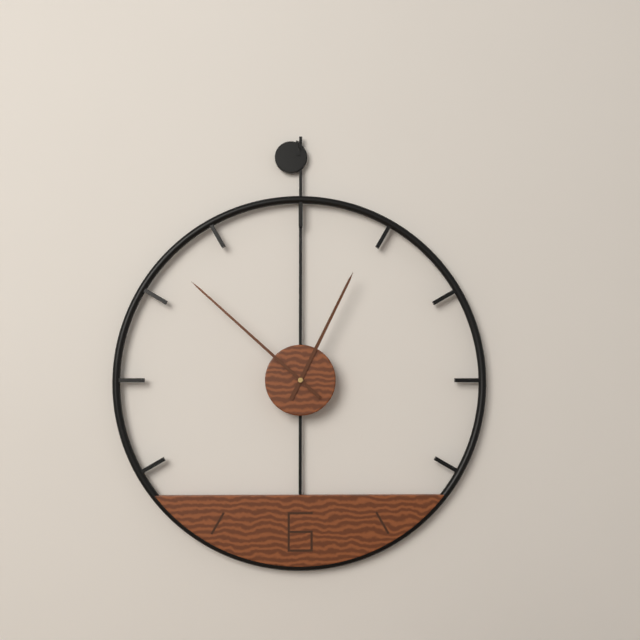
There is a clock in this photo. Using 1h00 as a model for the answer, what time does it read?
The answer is 12h52
